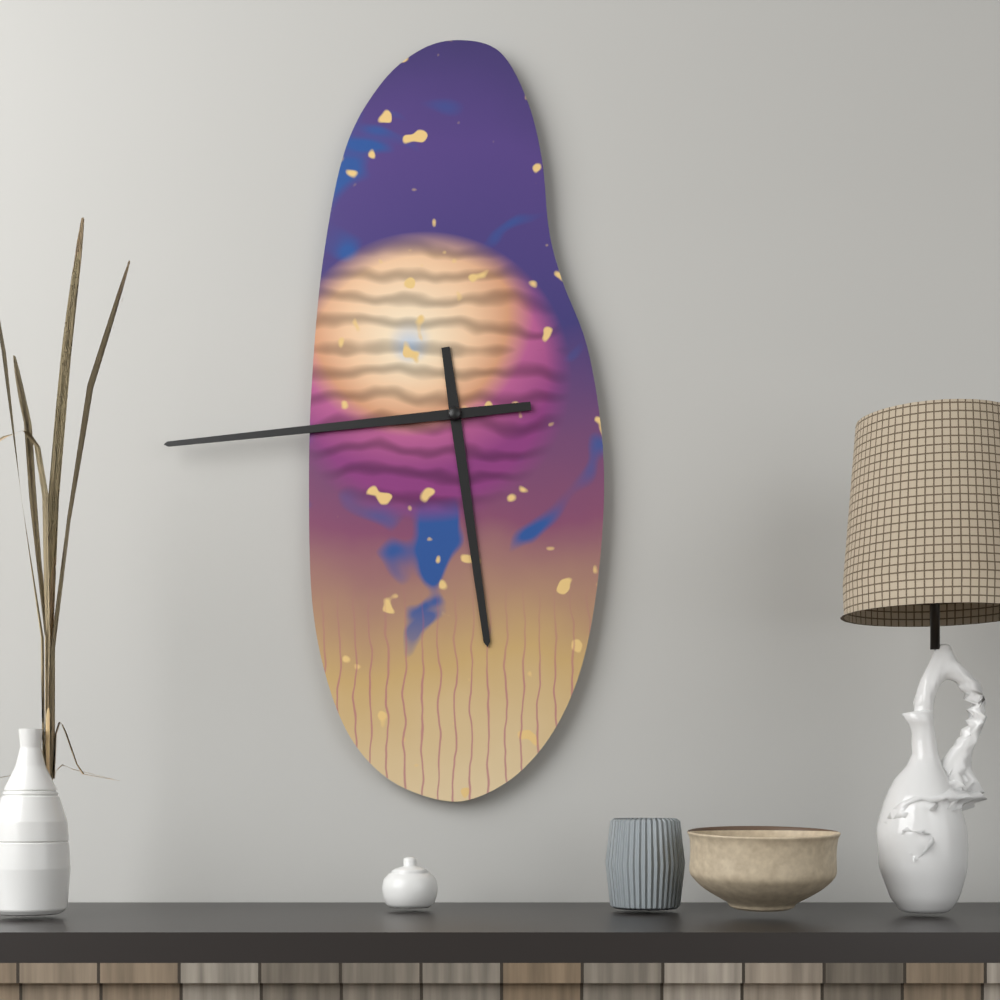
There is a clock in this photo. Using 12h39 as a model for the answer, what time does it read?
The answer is 5h44
